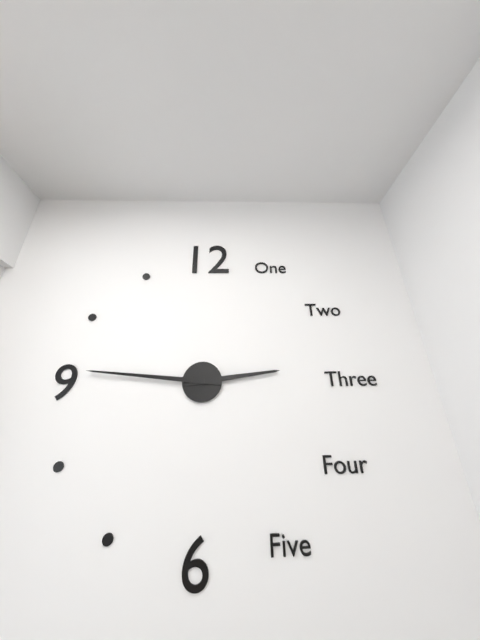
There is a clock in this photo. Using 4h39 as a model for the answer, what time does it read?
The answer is 2h46
